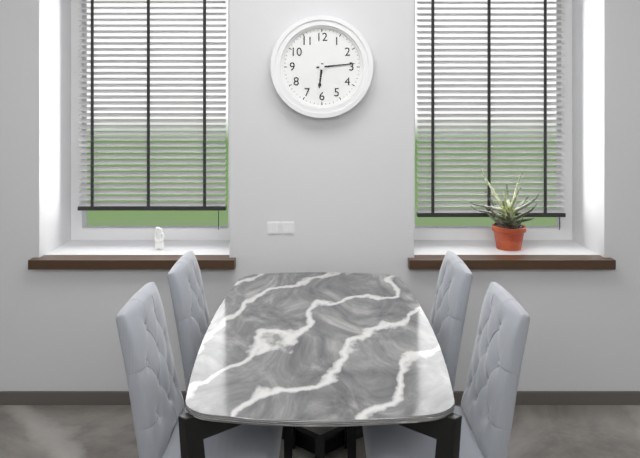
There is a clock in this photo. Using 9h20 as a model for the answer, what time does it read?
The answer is 6h14
